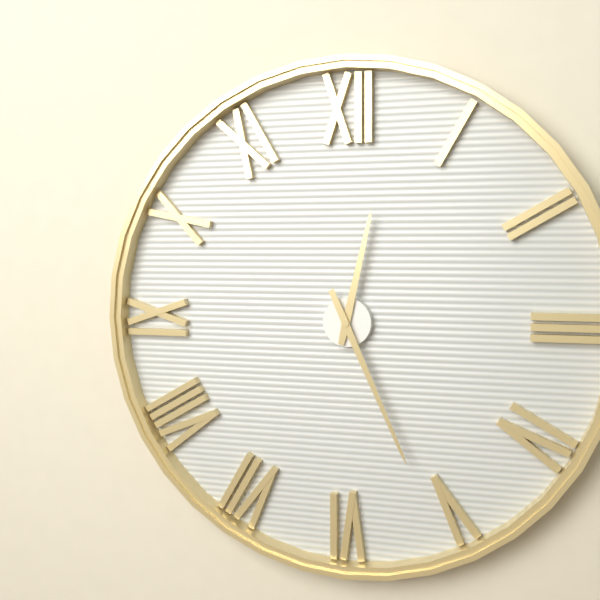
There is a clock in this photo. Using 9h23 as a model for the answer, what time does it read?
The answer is 12h26
